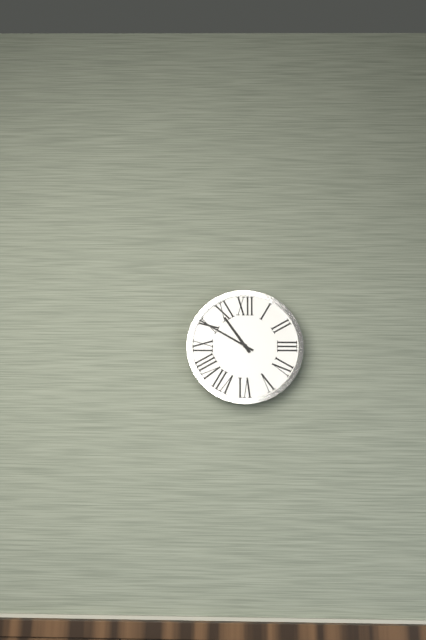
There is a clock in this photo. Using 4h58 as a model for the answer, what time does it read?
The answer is 10h50
